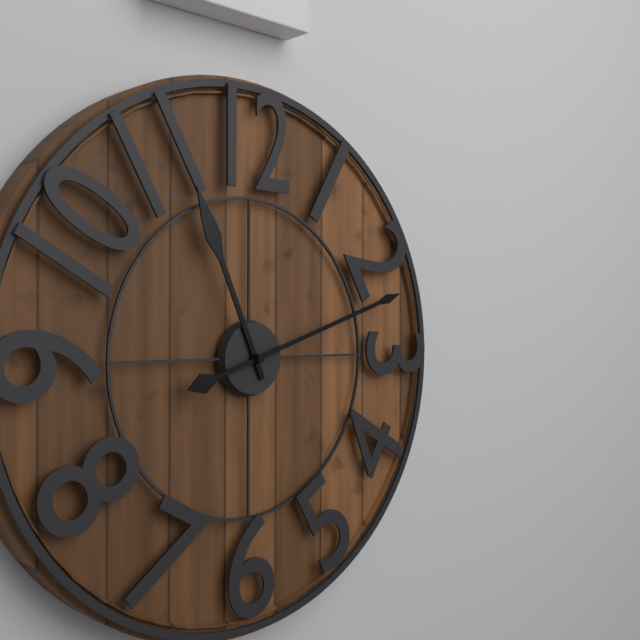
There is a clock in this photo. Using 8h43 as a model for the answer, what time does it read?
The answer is 11h12
